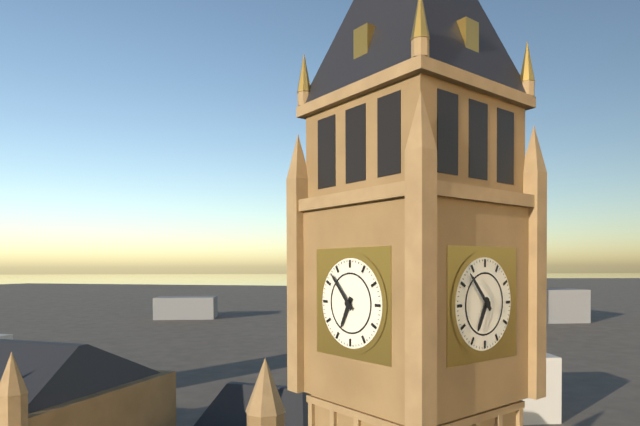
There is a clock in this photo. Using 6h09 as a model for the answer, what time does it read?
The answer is 6h53
